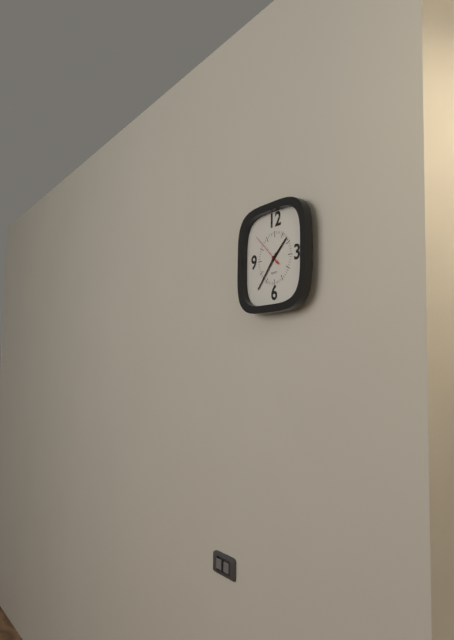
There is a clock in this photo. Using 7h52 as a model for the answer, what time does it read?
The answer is 1h37
